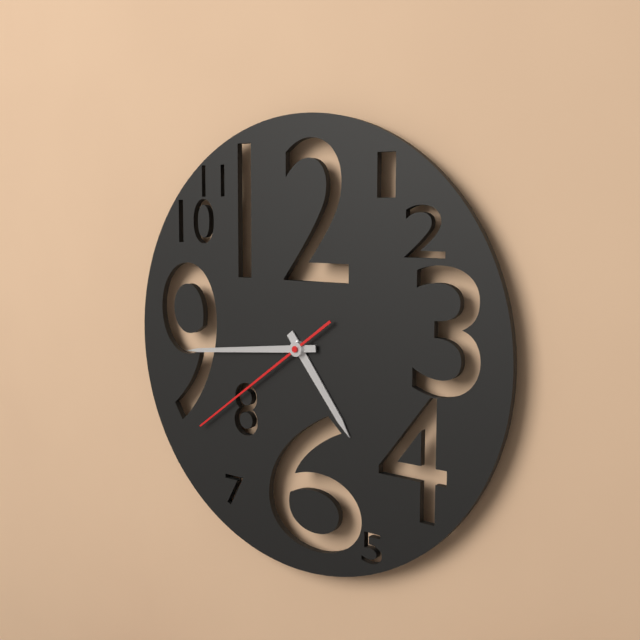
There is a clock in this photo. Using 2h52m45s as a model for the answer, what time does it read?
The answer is 4h44m39s
